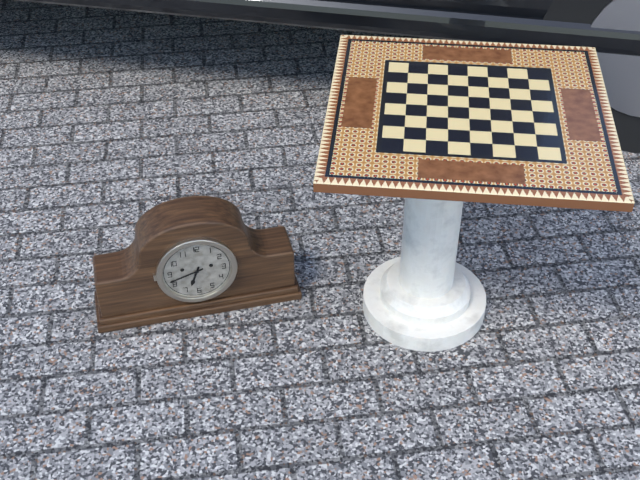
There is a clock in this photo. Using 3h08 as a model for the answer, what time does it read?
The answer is 6h42
